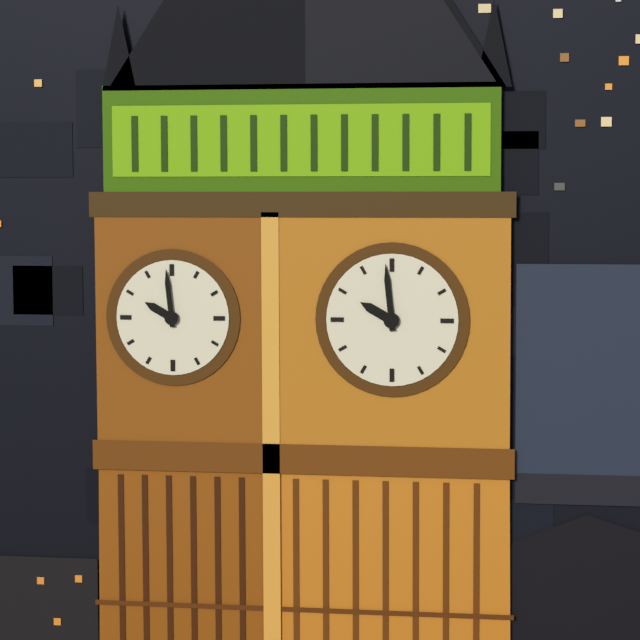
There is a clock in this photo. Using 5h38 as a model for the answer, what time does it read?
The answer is 9h59
